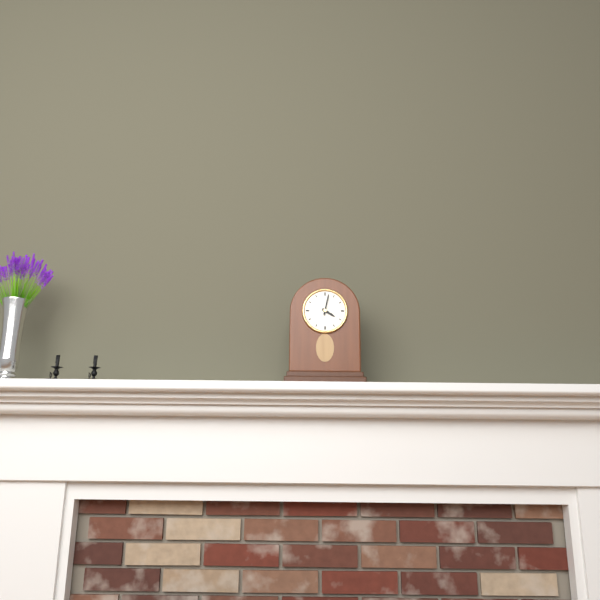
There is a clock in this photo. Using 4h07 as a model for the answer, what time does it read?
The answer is 4h02
